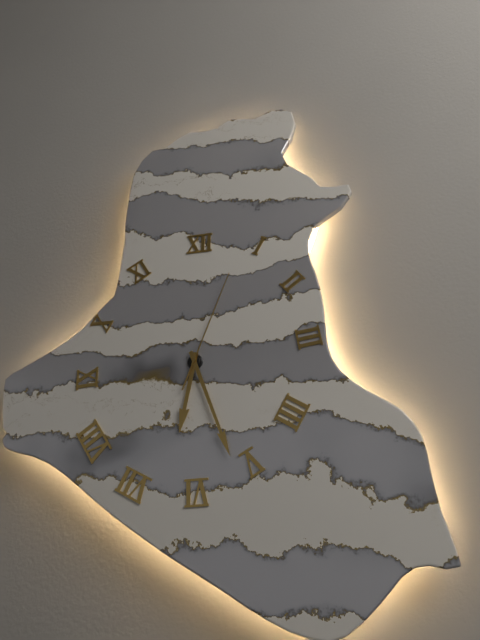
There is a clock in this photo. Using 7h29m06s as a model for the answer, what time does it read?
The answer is 6h27m04s
